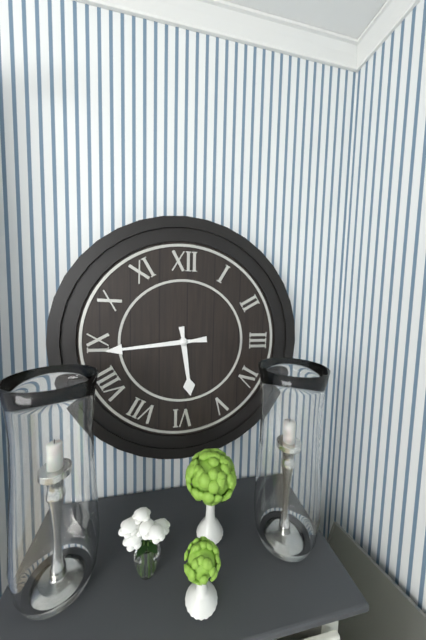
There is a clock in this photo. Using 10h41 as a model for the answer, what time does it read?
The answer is 5h44
